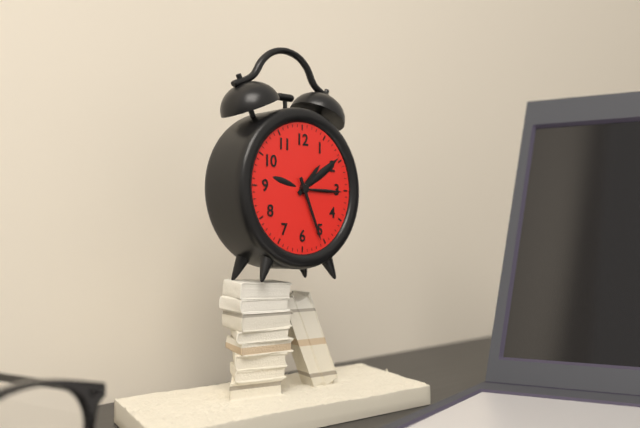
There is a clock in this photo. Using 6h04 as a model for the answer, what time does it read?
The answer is 1h26
